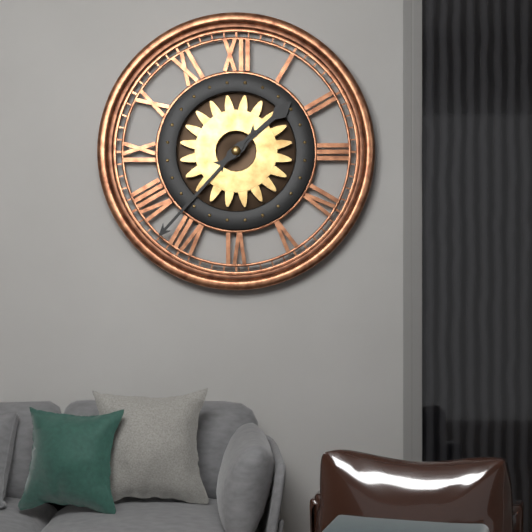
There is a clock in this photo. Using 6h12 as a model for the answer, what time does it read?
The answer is 1h37
